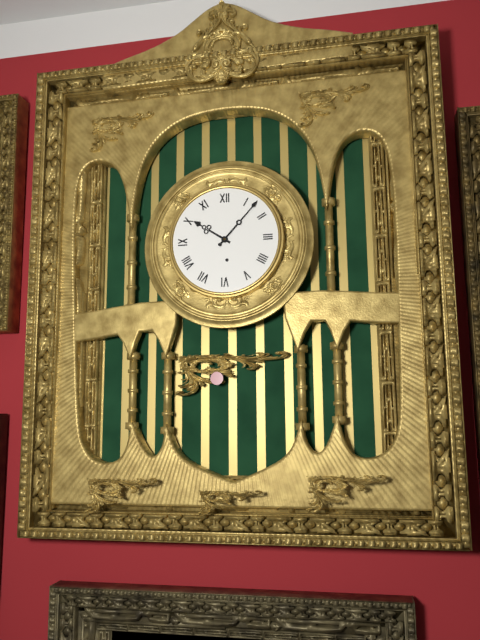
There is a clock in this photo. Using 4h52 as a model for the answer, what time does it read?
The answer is 10h07
